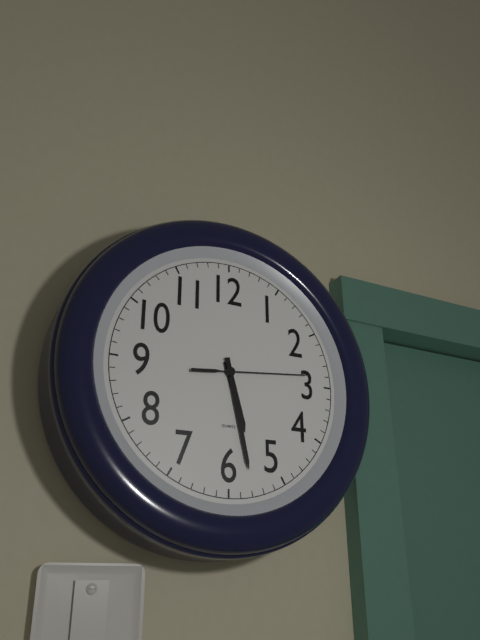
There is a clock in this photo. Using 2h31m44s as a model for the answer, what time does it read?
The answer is 5h28m14s
